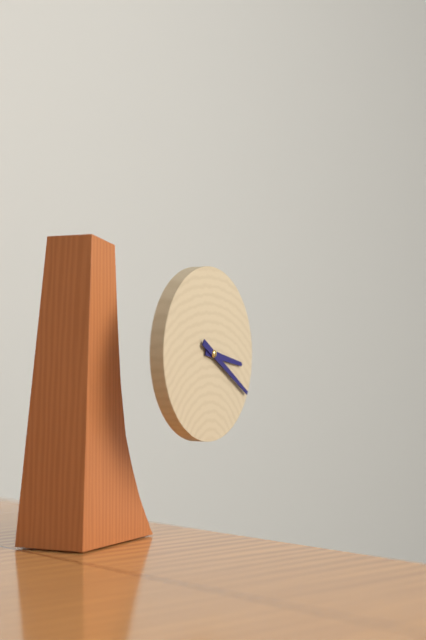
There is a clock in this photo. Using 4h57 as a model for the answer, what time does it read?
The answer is 3h20
